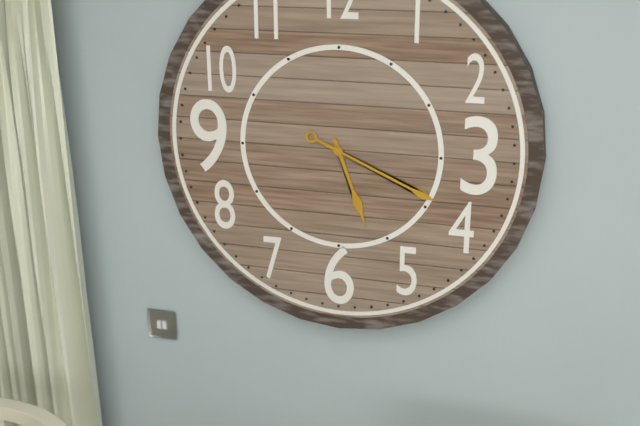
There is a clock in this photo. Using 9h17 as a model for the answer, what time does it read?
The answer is 5h19
